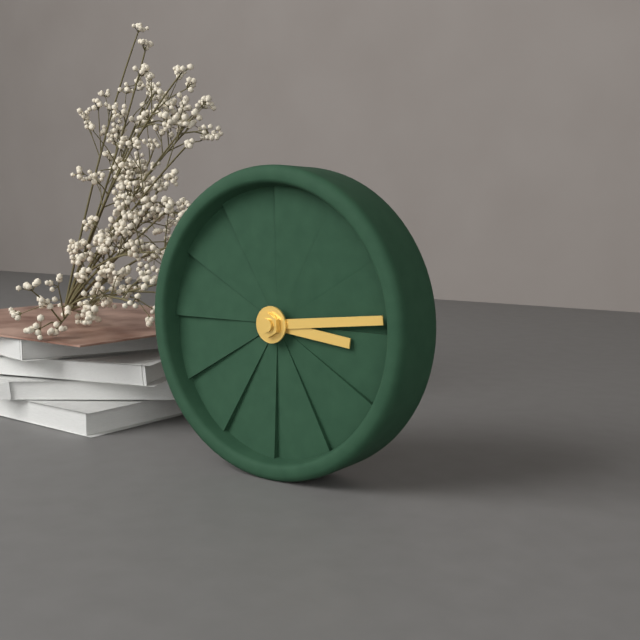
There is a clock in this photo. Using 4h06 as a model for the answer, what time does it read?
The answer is 3h14
